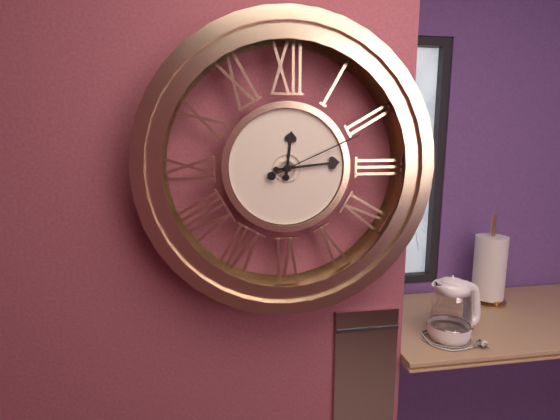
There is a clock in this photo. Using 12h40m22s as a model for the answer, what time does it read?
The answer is 12h14m11s
